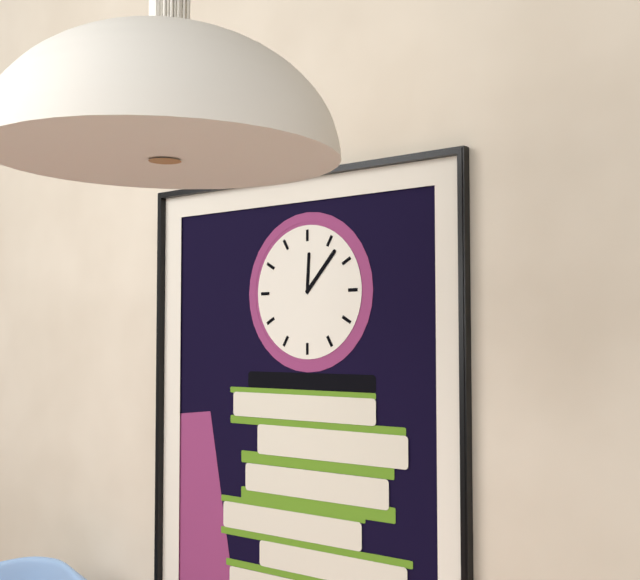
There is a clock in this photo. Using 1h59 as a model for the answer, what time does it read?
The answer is 12h07
